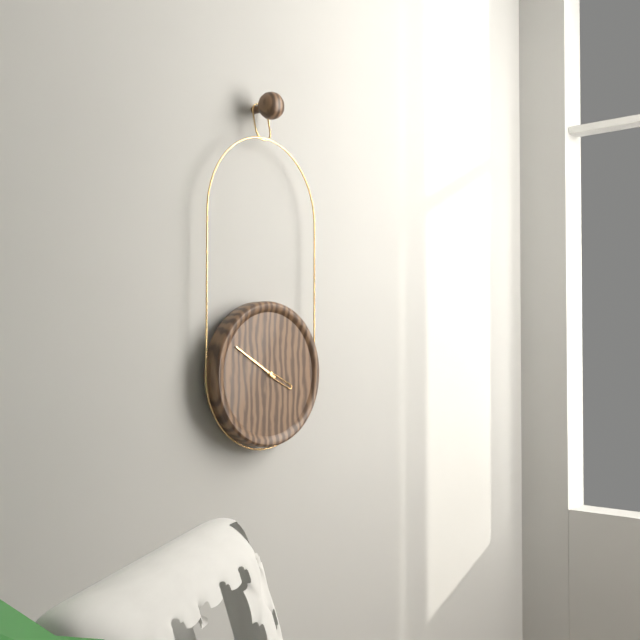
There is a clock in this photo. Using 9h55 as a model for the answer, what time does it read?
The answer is 3h50
